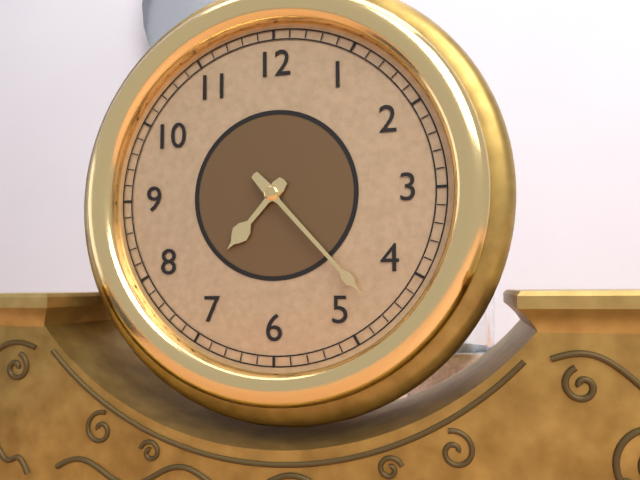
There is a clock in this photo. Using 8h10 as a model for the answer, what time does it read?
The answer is 7h23
